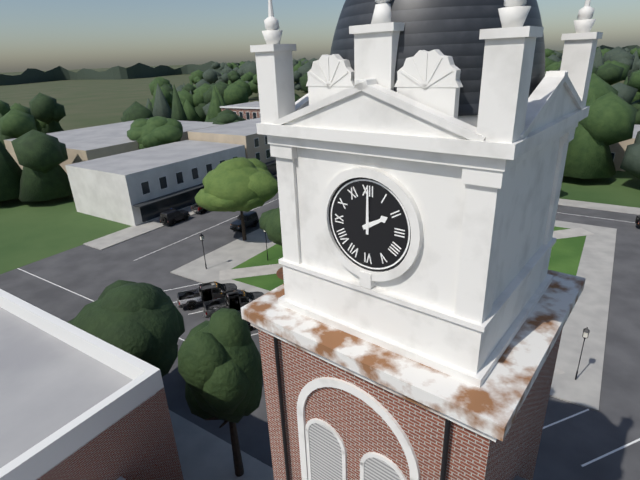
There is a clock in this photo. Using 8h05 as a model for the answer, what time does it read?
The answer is 2h00
